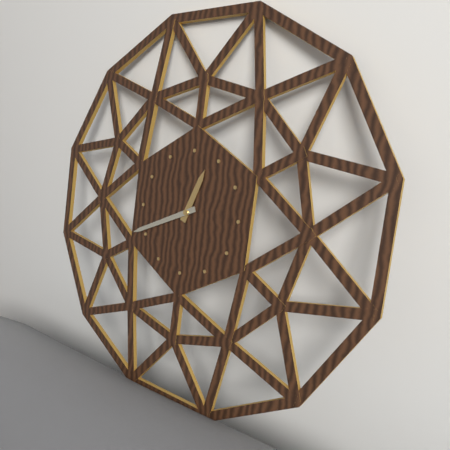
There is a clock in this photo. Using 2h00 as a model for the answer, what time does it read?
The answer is 12h41
